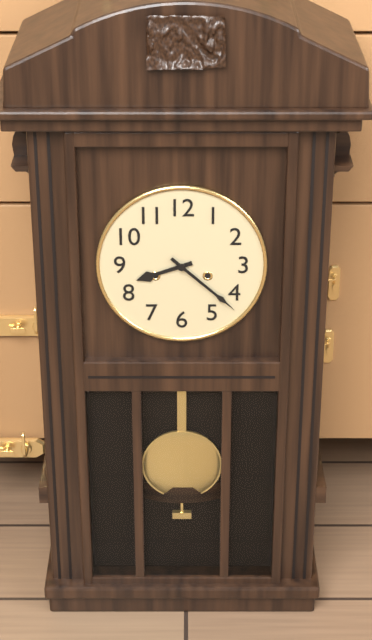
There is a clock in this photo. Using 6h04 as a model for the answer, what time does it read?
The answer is 8h22
